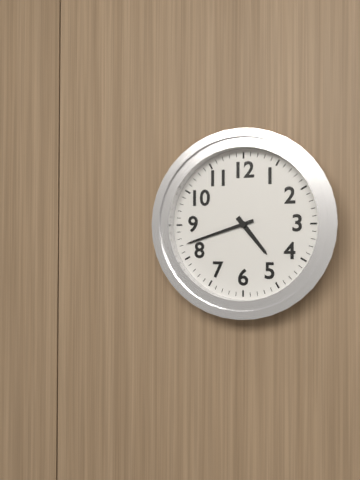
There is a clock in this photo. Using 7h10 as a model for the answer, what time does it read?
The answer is 4h42
